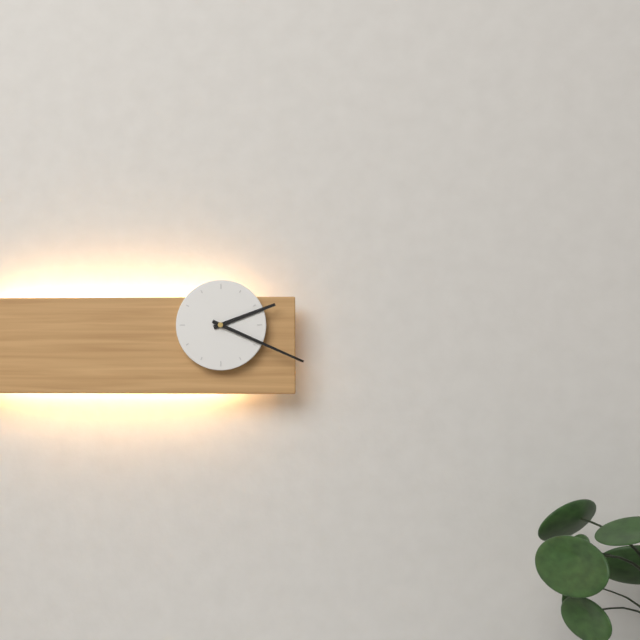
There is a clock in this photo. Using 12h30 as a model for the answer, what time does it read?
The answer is 2h19
